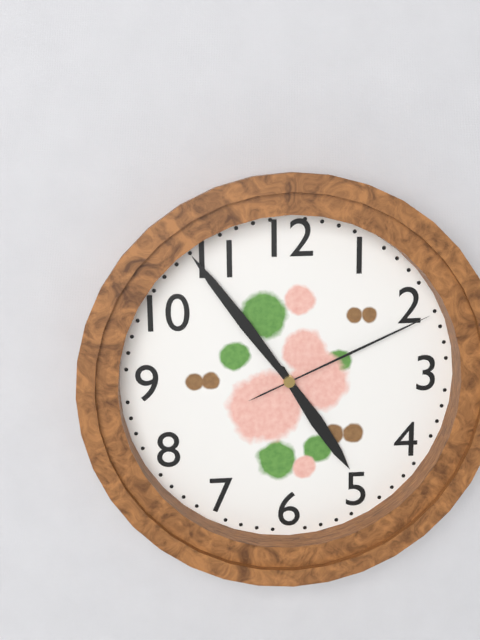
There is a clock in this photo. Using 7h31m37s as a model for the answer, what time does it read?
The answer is 4h54m11s
